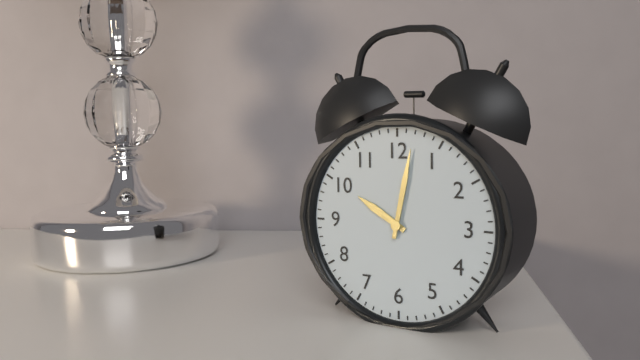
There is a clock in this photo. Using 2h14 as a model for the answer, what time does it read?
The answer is 10h02
